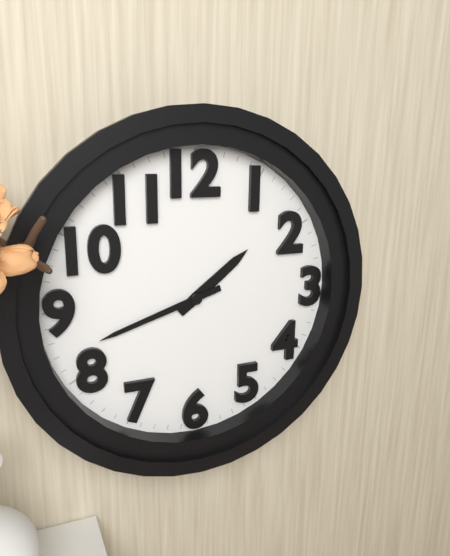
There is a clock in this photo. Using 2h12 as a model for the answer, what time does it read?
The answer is 1h42
